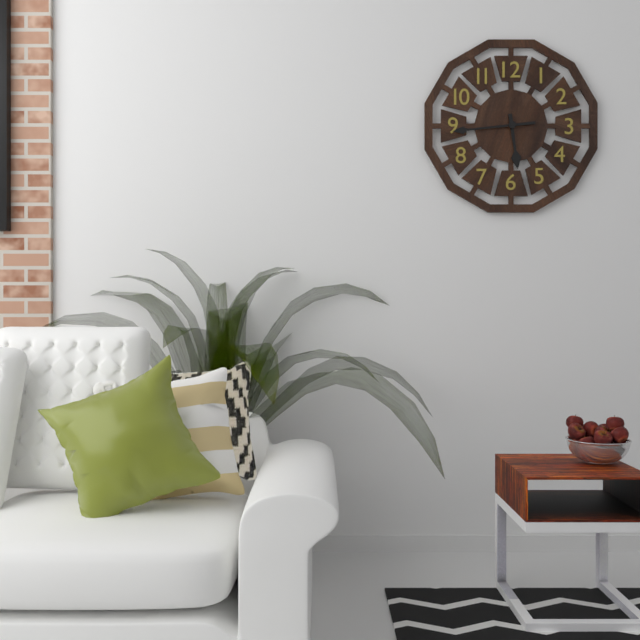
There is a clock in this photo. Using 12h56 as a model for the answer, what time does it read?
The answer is 5h44
